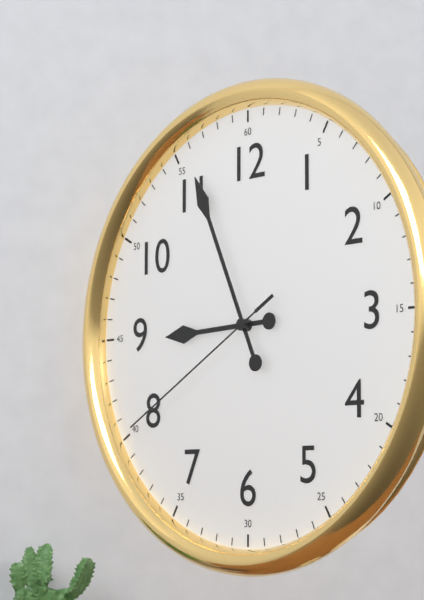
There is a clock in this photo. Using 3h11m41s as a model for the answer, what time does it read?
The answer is 8h56m40s
